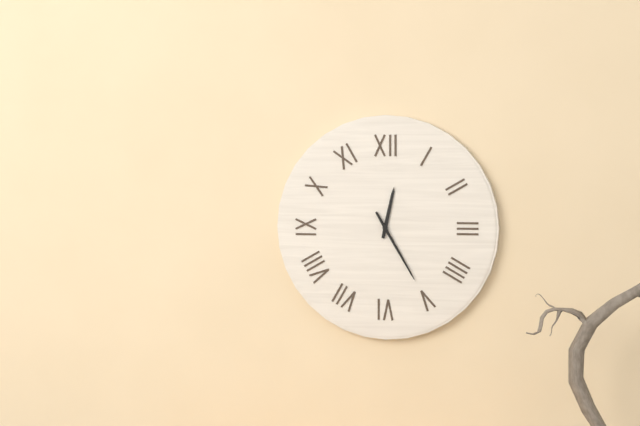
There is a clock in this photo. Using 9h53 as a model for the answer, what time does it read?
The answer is 12h25
